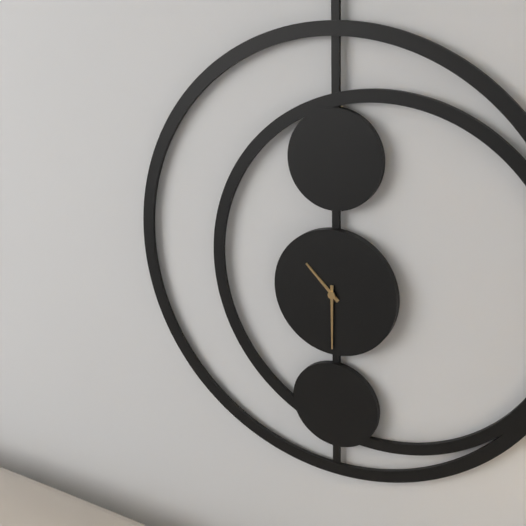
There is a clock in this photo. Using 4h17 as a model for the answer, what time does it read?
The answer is 10h30
